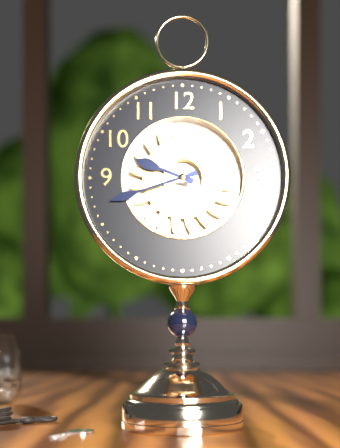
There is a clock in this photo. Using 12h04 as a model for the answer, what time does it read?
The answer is 9h42
